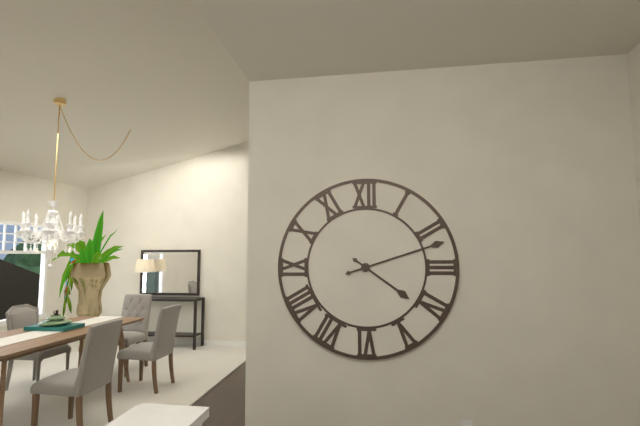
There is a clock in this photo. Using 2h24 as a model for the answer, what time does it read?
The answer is 4h12
